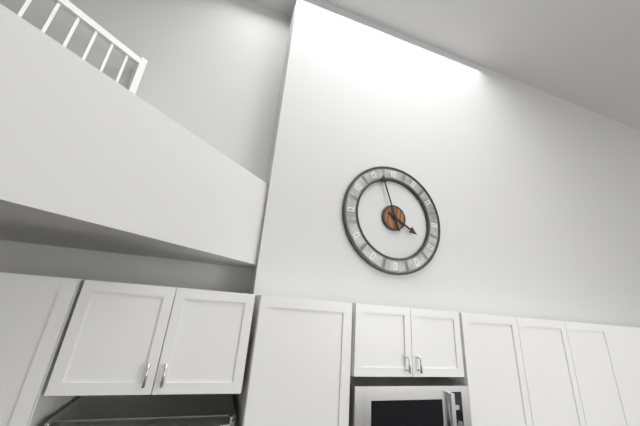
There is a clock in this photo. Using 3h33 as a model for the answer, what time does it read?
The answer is 3h57
